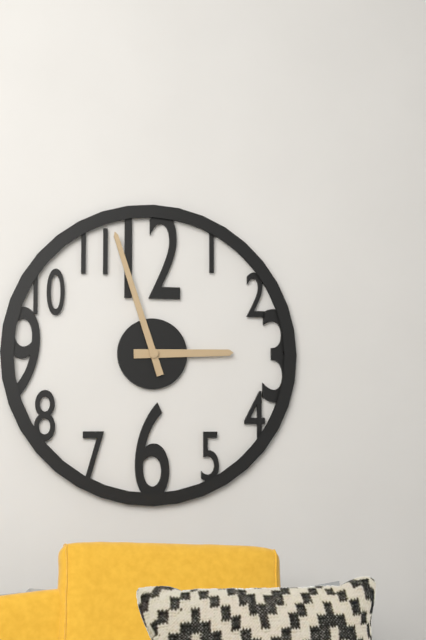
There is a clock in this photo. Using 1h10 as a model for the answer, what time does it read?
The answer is 2h57
